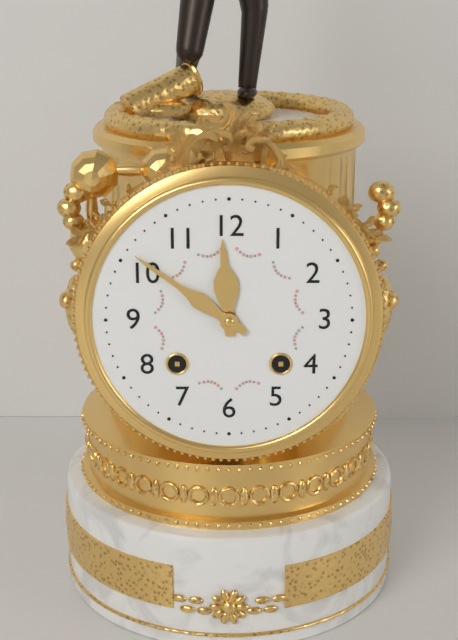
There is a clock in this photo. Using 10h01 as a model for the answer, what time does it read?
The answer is 11h51
